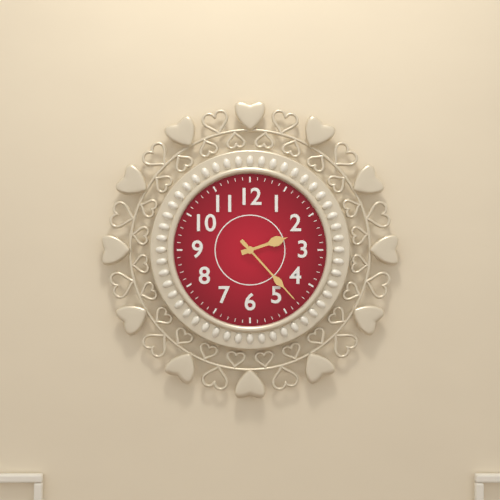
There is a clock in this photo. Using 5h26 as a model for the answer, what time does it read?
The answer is 2h23
